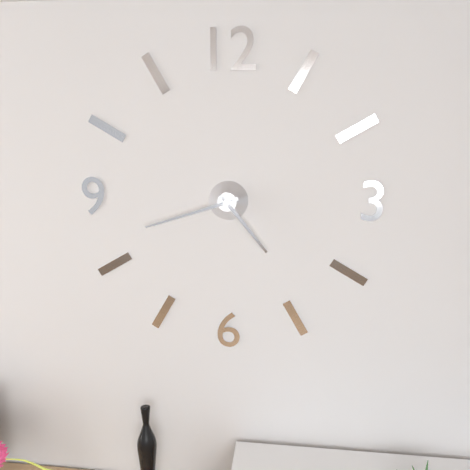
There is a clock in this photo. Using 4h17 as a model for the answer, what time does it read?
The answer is 4h42
